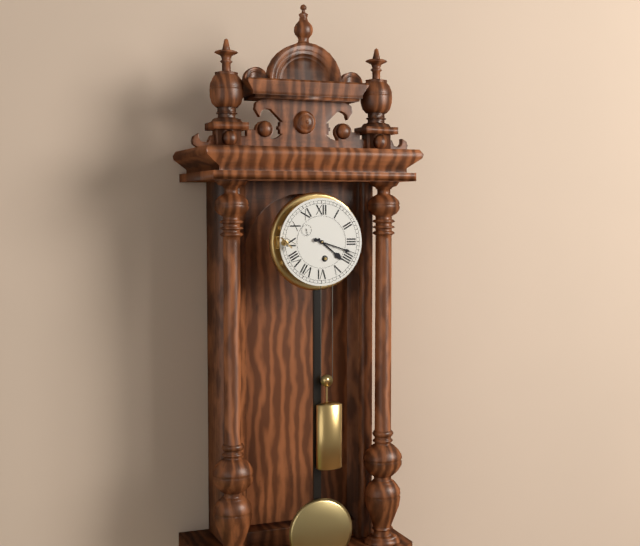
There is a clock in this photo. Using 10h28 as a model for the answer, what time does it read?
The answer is 4h18
